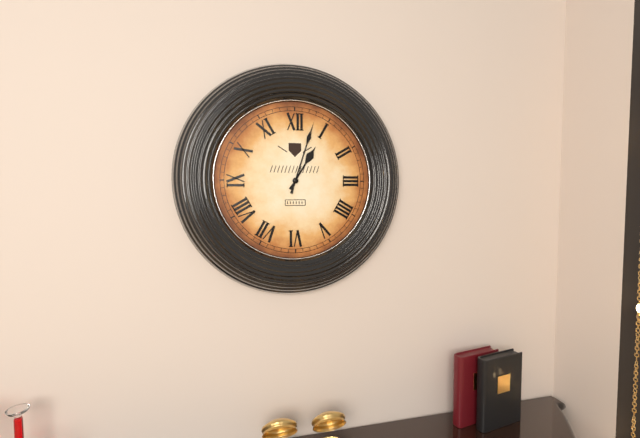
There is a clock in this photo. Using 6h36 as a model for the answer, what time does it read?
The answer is 1h03
